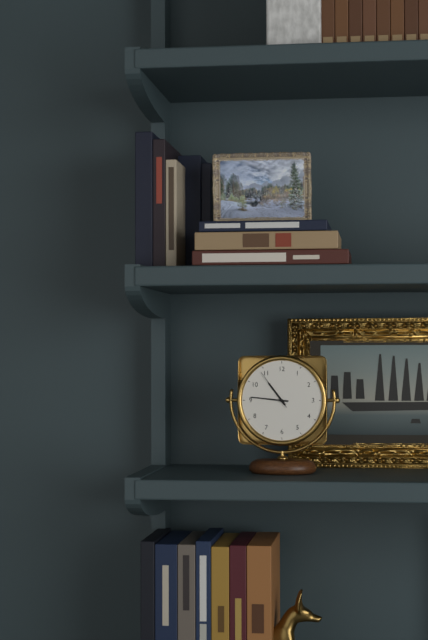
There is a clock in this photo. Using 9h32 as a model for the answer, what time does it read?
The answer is 10h46
